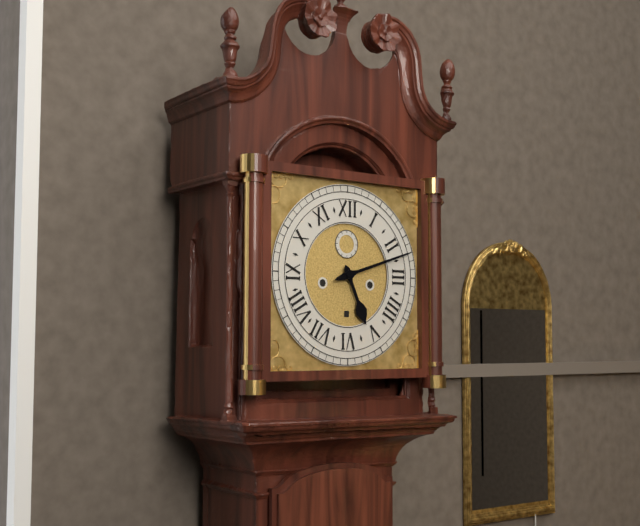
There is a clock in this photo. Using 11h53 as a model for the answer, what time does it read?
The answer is 5h12
